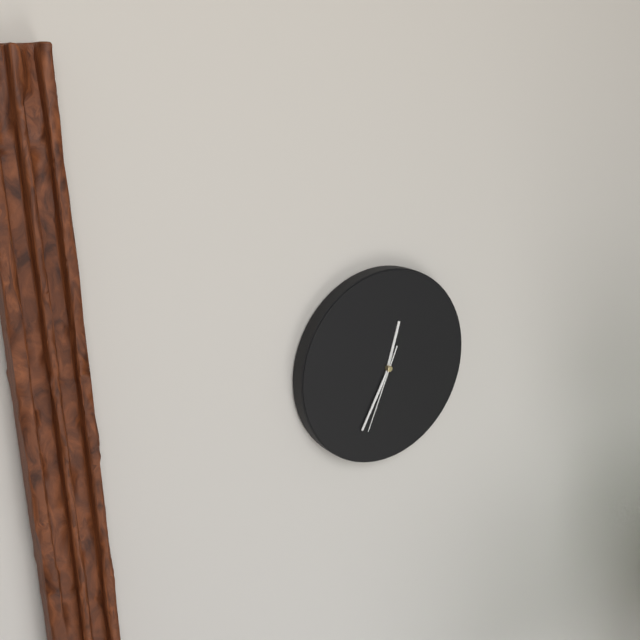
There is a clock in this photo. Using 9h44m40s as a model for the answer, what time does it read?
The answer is 12h35m34s
